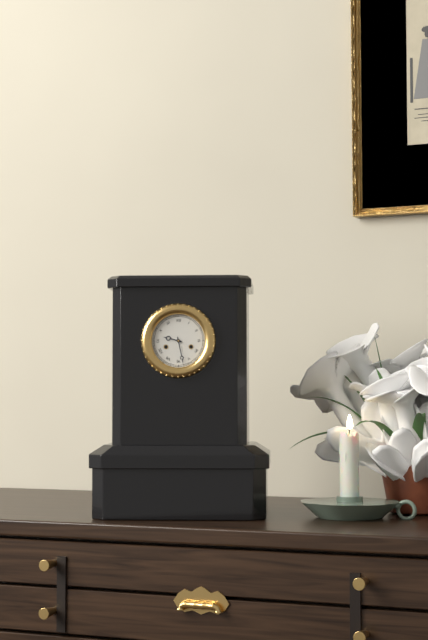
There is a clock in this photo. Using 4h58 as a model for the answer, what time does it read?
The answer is 9h28
